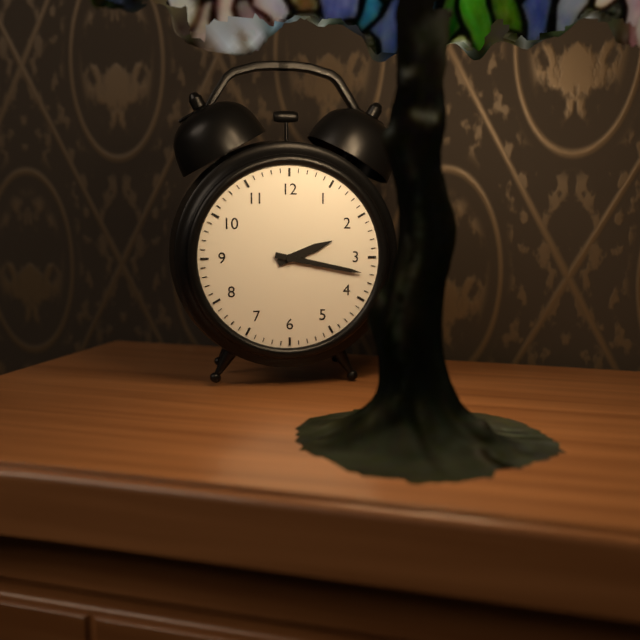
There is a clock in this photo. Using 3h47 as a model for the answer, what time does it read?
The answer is 2h17
